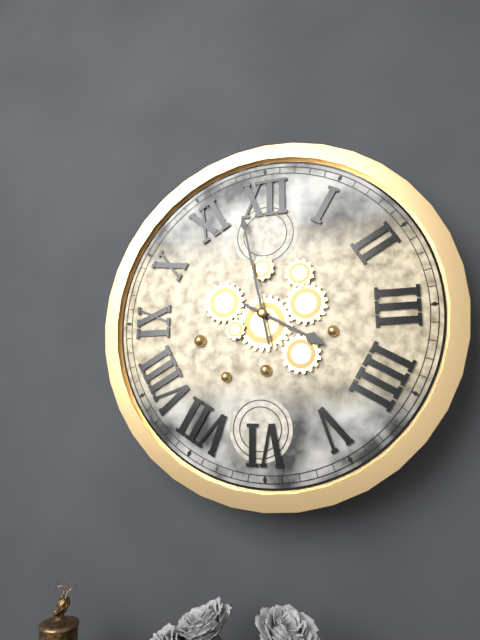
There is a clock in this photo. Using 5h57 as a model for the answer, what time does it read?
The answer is 3h58
